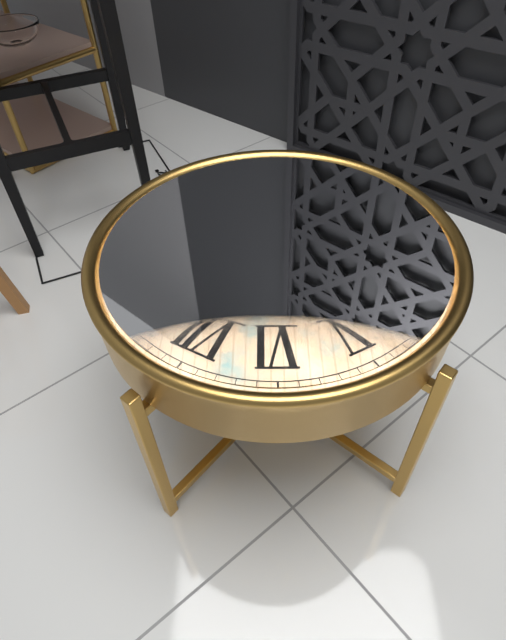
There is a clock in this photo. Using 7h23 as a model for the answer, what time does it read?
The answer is 4h33
